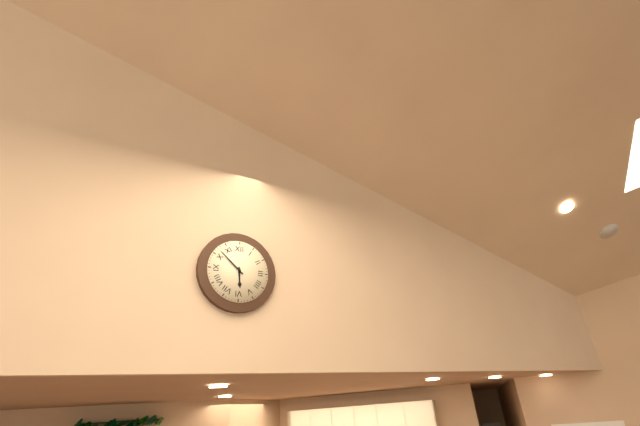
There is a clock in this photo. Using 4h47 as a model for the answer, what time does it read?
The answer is 5h52
